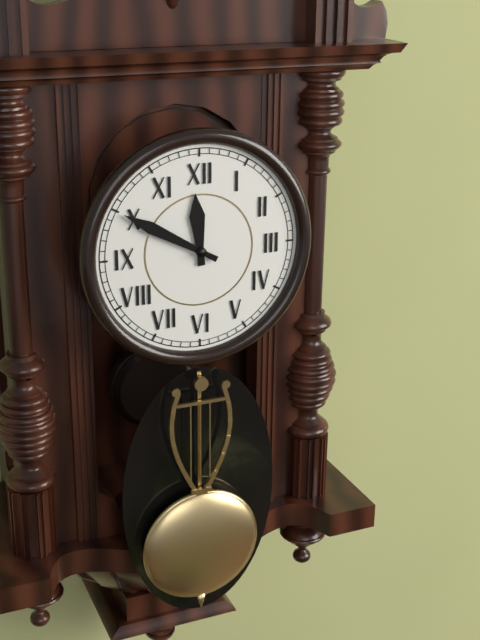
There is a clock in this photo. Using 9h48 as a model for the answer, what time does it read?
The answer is 11h50
